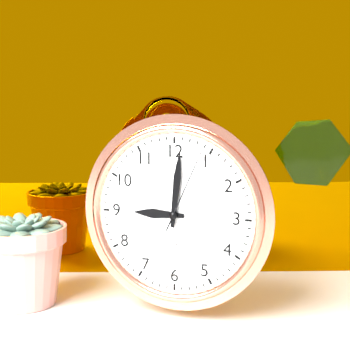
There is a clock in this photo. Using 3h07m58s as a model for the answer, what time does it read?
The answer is 9h01m04s
